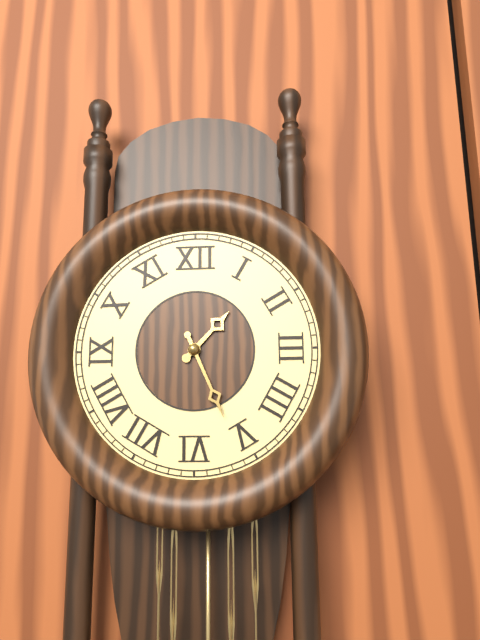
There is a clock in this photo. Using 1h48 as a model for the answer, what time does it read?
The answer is 1h26
